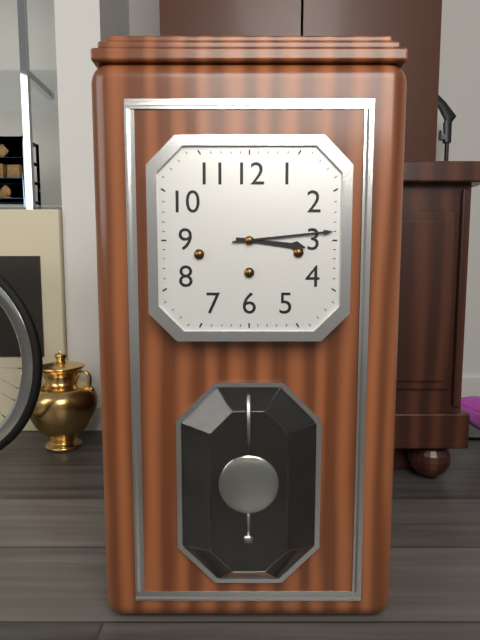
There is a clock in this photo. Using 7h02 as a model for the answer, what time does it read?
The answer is 3h14
